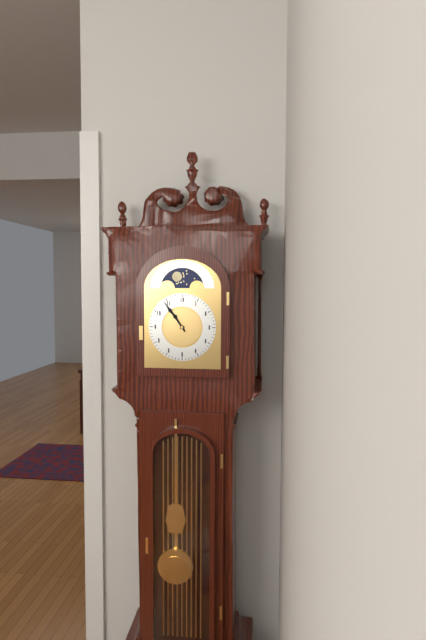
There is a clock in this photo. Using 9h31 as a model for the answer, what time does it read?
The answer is 10h54
